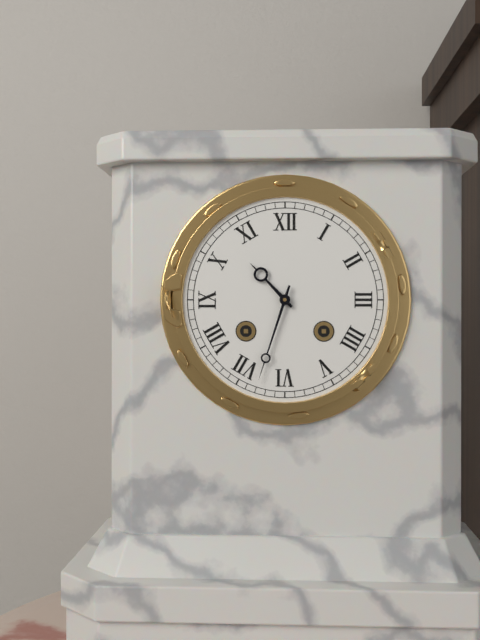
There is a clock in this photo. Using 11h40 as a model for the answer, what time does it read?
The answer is 10h33
